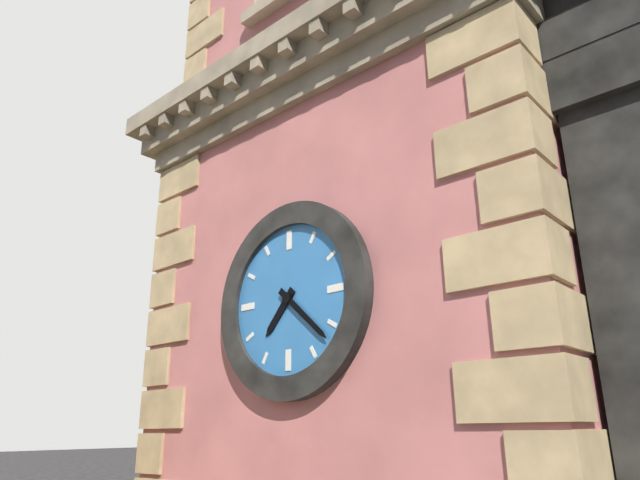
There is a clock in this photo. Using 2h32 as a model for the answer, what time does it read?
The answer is 7h22
